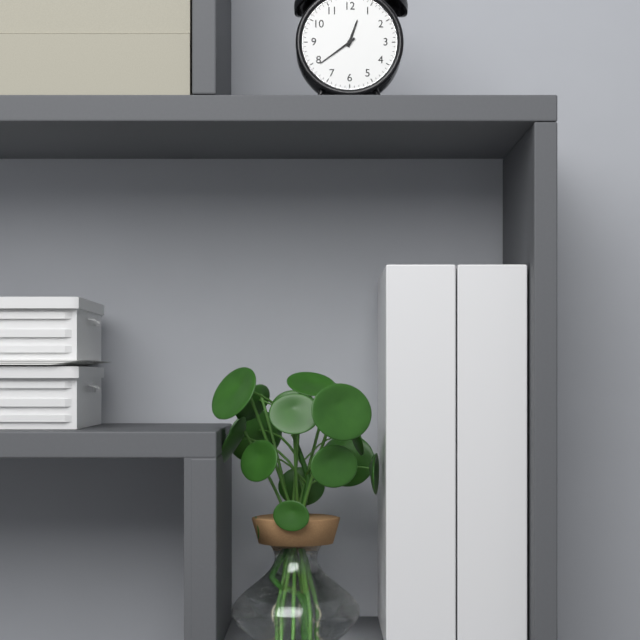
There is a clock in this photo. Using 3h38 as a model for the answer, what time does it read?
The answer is 12h39
